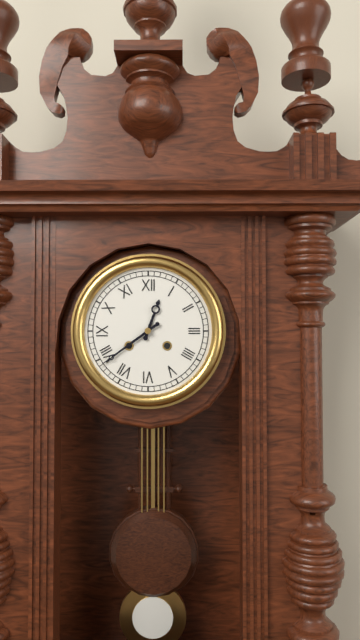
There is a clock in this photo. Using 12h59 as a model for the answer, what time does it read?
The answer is 12h39
